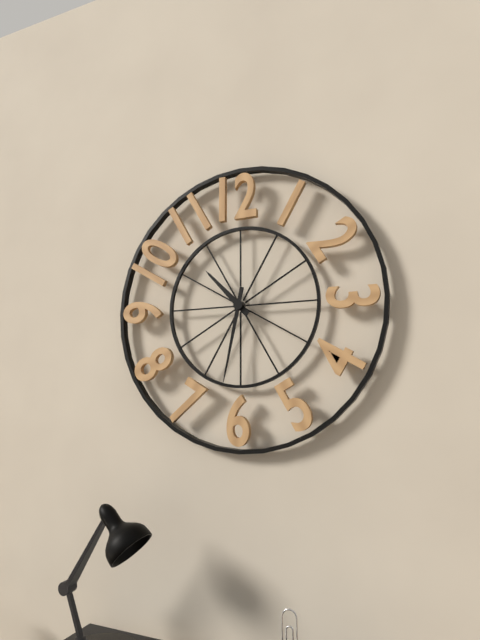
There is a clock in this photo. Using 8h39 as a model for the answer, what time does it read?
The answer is 10h32
